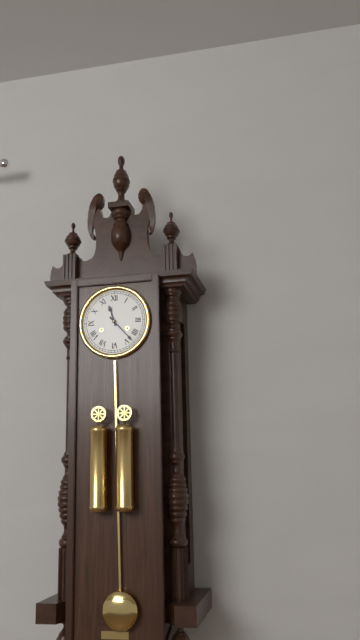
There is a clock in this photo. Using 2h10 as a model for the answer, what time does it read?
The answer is 11h23
